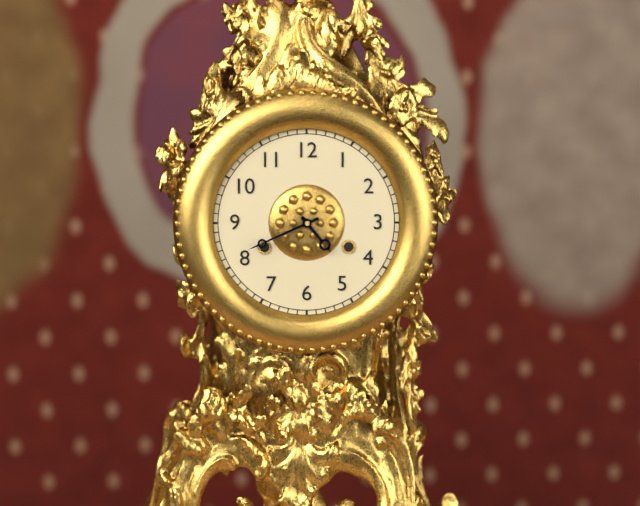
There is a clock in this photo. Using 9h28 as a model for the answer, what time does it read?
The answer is 4h41
